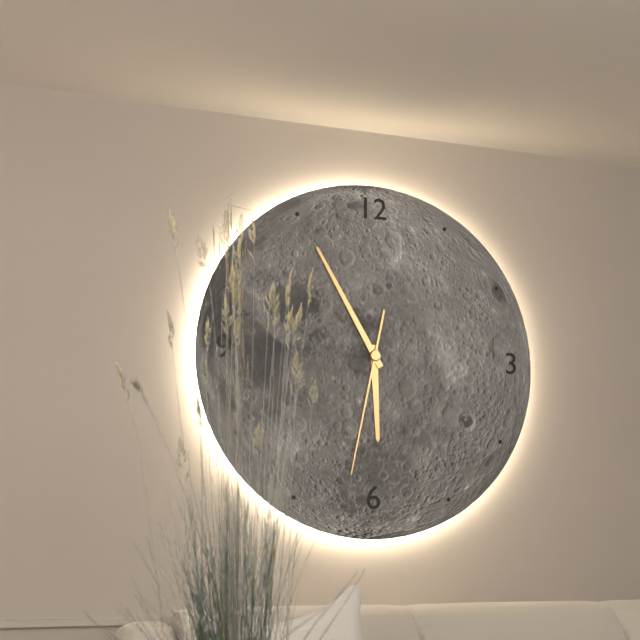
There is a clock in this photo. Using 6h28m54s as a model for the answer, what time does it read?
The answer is 5h55m32s
